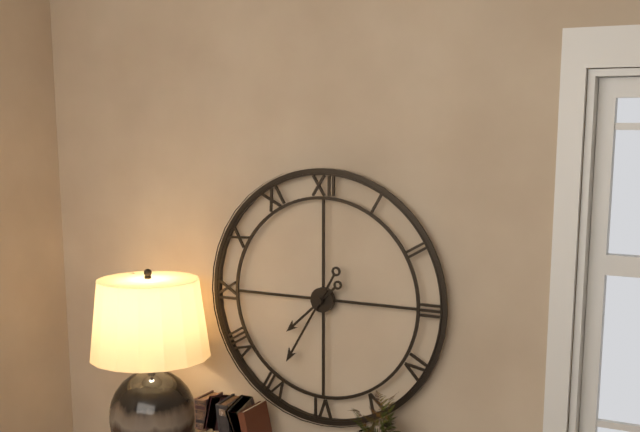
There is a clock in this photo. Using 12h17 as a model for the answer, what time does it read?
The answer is 7h35
